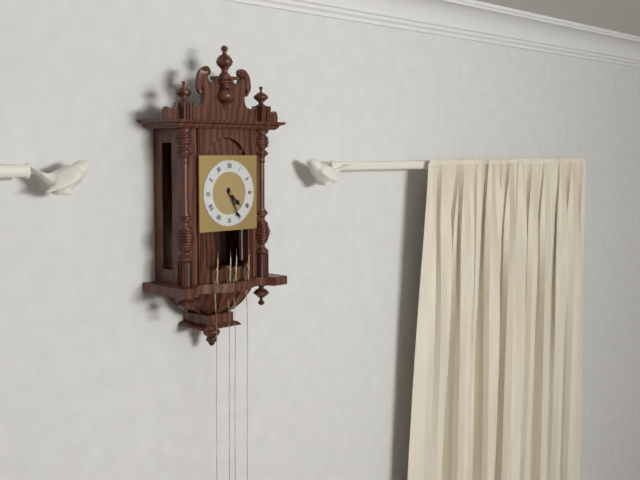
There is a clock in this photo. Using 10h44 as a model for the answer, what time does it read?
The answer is 4h26
